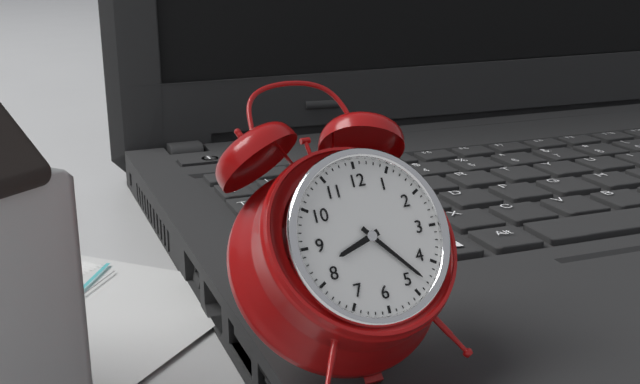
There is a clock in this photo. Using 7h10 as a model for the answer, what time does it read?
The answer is 8h23
